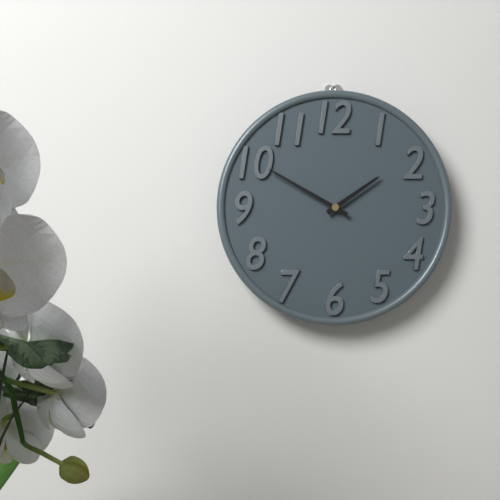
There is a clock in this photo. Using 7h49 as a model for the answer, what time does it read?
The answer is 1h50
